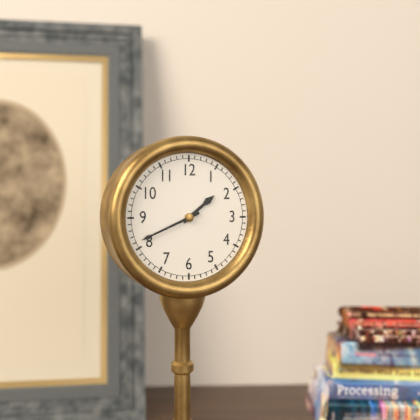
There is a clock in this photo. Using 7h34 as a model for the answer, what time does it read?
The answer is 1h41
